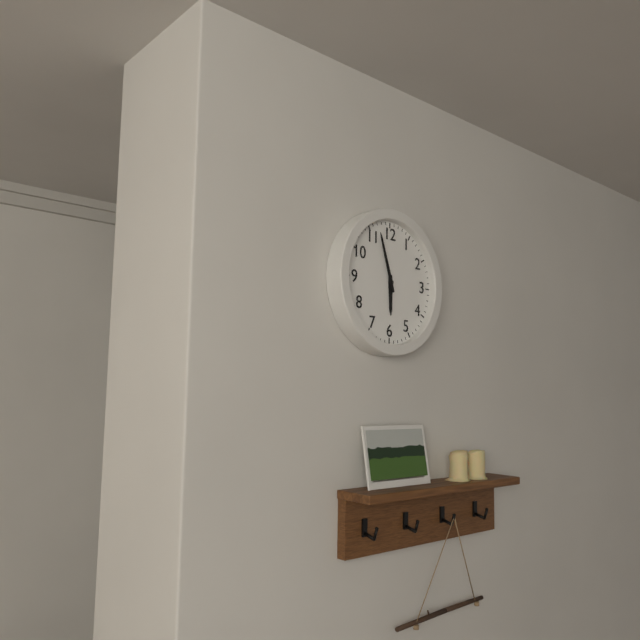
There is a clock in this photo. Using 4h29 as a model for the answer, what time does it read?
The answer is 5h57
